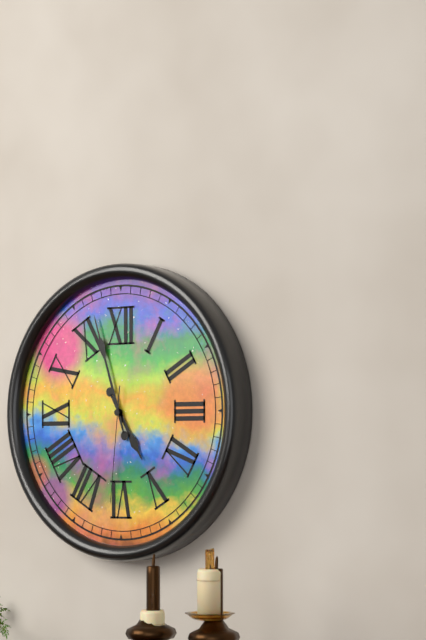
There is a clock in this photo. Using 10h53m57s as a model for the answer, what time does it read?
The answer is 4h57m31s
